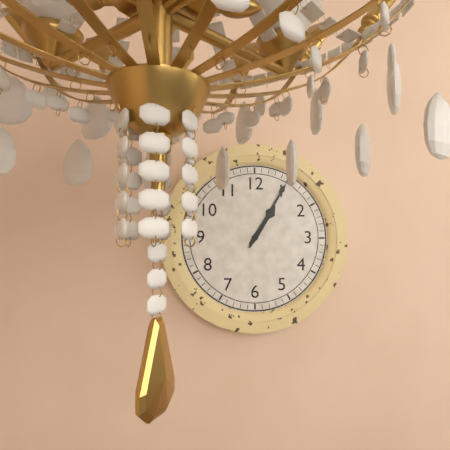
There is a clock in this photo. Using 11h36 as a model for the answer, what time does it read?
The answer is 1h05
